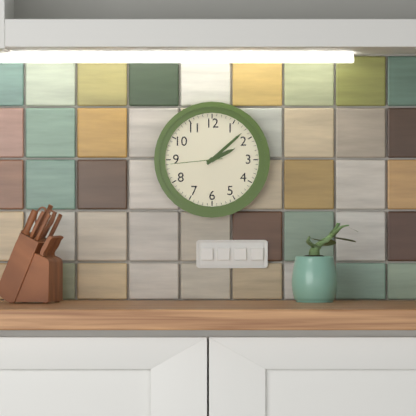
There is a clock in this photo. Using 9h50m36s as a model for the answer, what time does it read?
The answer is 2h08m44s
